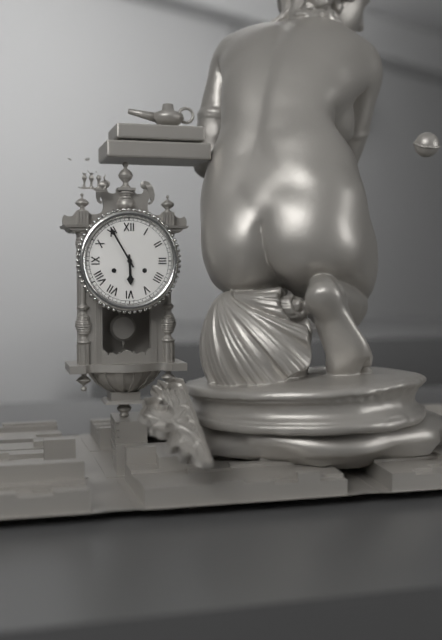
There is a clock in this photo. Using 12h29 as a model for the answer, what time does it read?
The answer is 5h55
